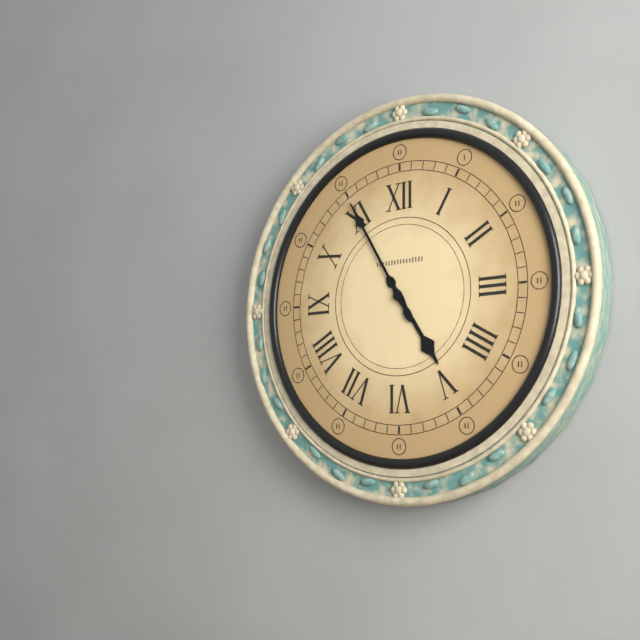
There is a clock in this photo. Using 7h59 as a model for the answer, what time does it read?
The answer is 4h55
